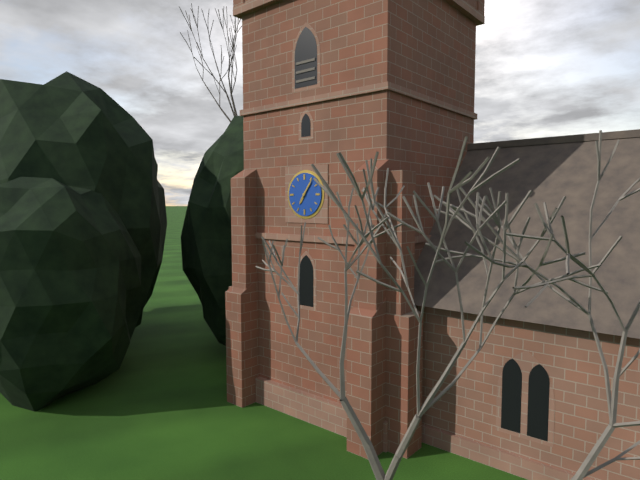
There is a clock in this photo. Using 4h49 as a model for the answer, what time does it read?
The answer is 7h06
